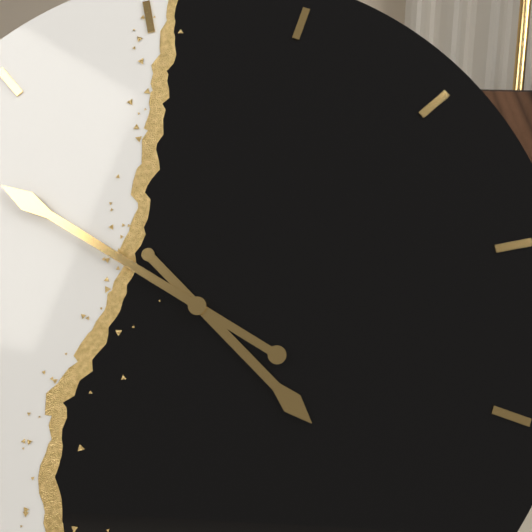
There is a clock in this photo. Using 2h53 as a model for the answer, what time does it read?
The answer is 4h52
